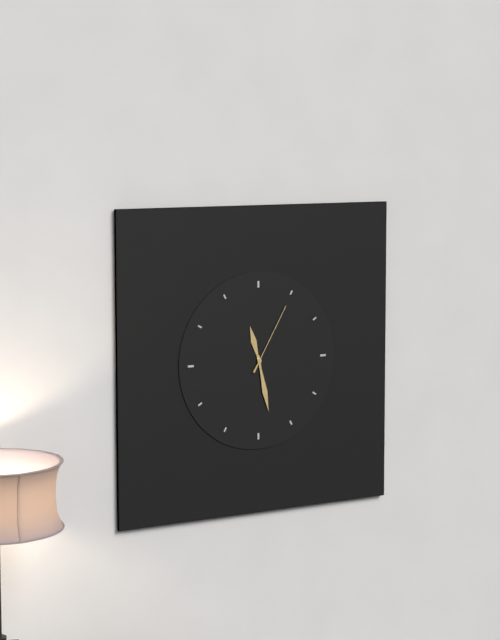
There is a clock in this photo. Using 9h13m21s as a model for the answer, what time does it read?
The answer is 11h28m05s
